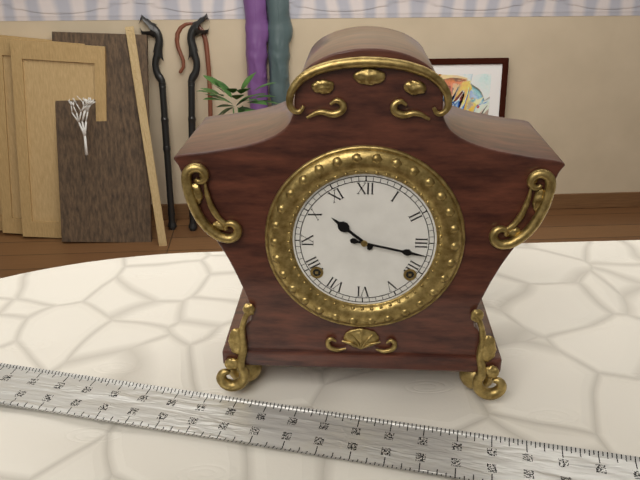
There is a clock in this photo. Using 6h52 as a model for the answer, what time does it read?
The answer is 10h17
